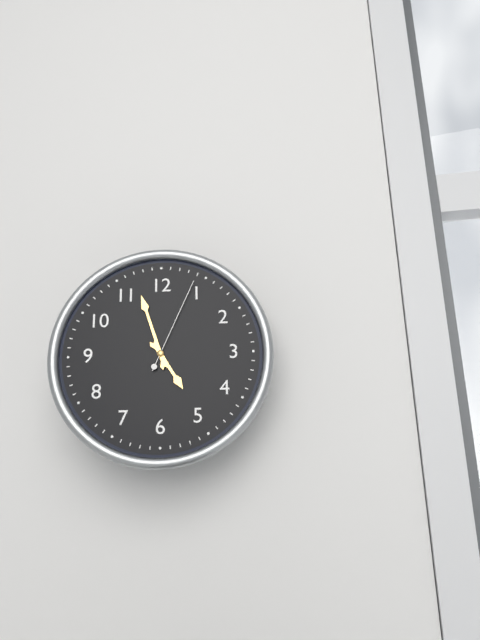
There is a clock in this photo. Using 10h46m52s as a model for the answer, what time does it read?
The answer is 4h57m04s
